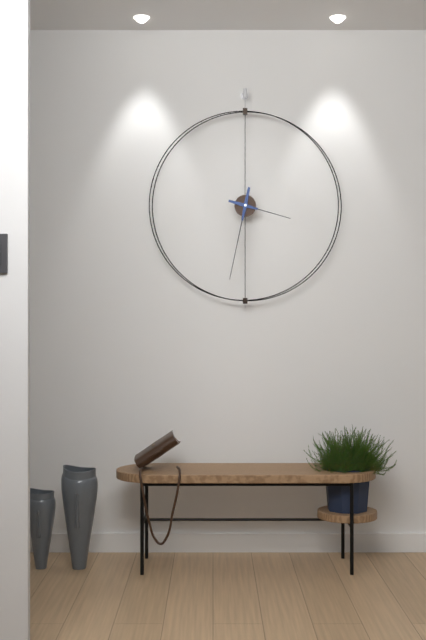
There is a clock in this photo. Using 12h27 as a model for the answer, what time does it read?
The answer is 3h32
